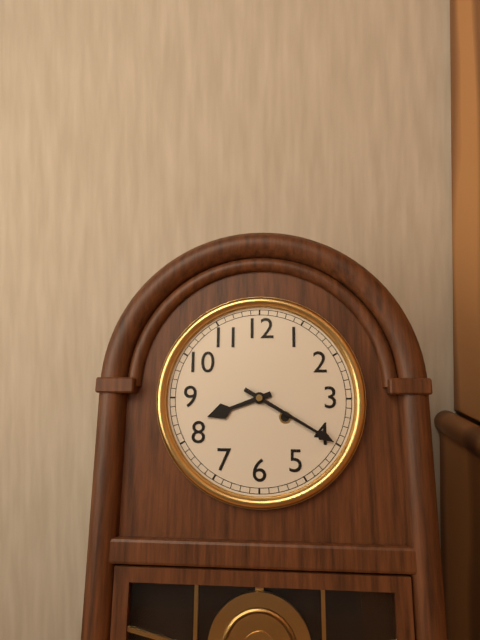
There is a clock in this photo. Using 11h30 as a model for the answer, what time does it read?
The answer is 8h20
